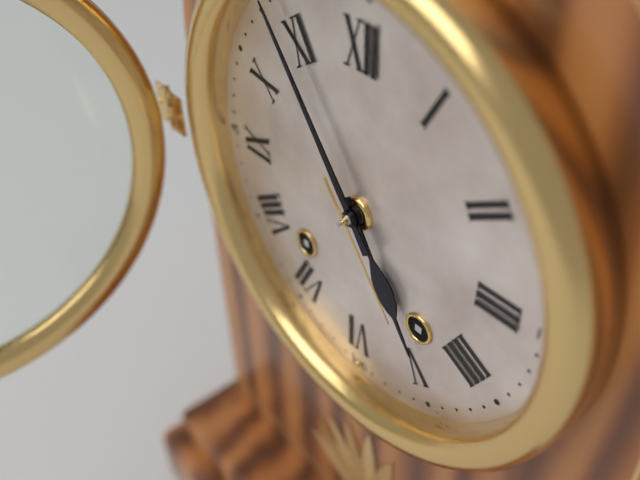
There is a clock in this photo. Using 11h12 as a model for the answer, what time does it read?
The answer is 4h54
